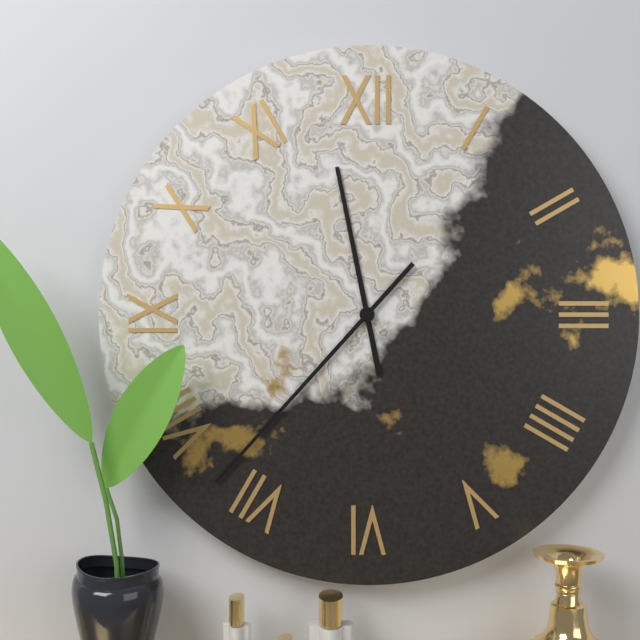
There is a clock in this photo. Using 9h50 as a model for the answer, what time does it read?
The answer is 11h37
